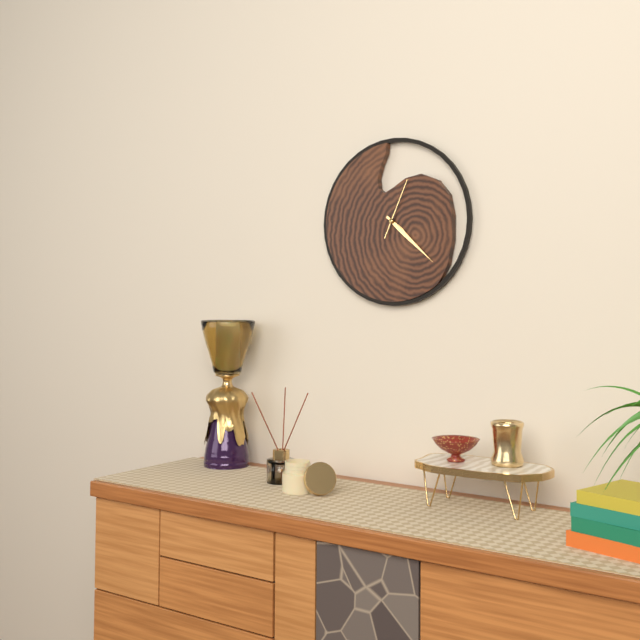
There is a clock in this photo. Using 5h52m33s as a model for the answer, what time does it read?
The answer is 4h22m04s
